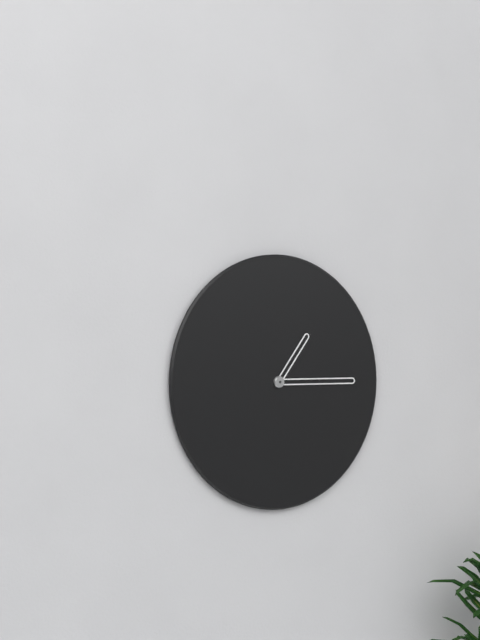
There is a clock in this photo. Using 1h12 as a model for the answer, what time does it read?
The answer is 1h15
